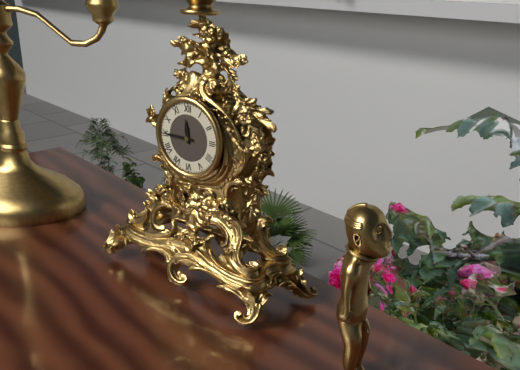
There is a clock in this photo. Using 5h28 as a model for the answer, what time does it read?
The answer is 11h45
